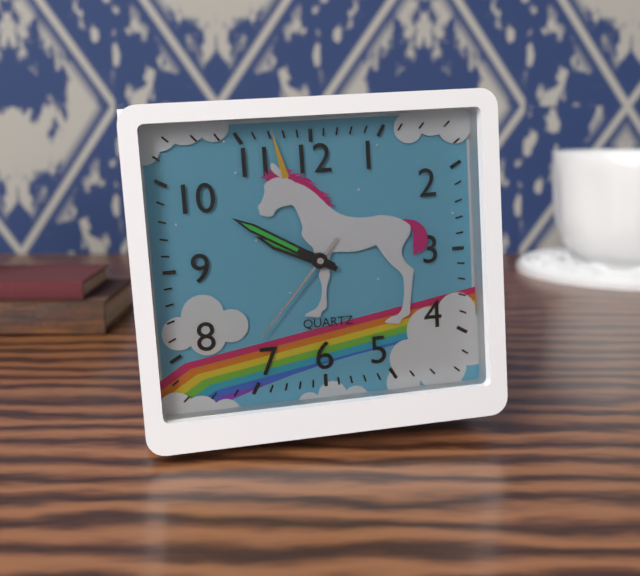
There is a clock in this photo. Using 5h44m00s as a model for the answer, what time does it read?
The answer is 9h50m37s
